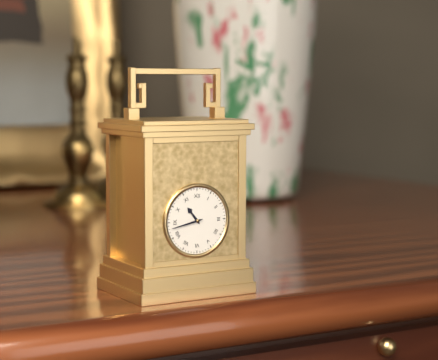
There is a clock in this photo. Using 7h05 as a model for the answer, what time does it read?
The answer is 10h43
